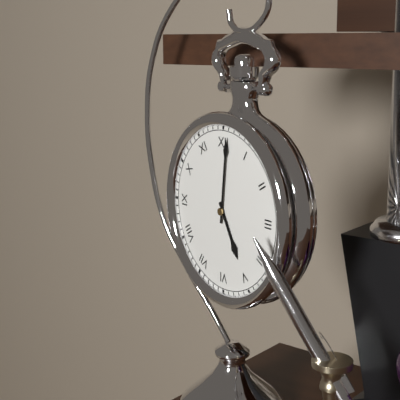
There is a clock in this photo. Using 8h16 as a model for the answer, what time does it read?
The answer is 5h01
